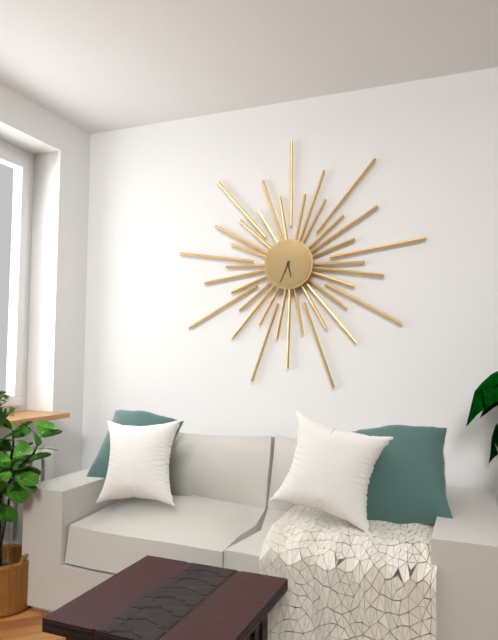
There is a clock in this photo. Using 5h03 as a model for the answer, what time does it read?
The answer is 5h34
